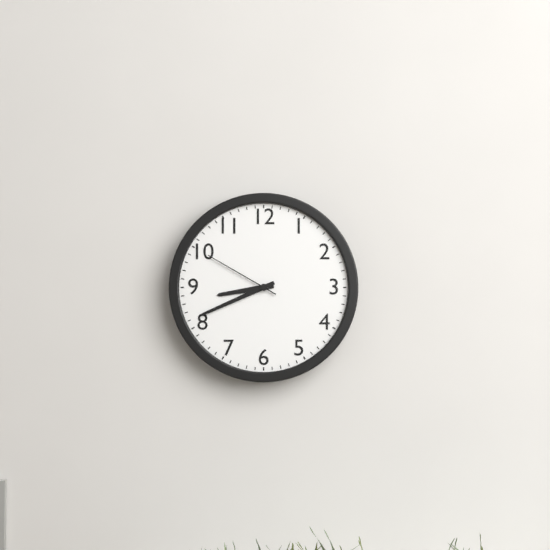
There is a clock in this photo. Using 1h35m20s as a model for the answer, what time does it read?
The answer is 8h41m50s
